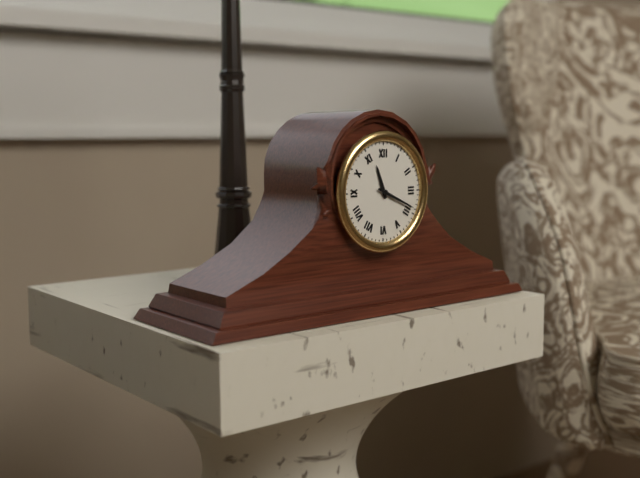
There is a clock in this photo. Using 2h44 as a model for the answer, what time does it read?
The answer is 11h19
